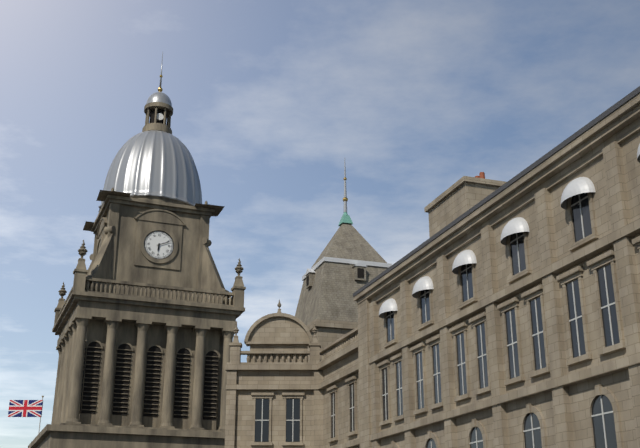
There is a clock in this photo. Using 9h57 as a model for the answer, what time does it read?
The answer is 6h11
